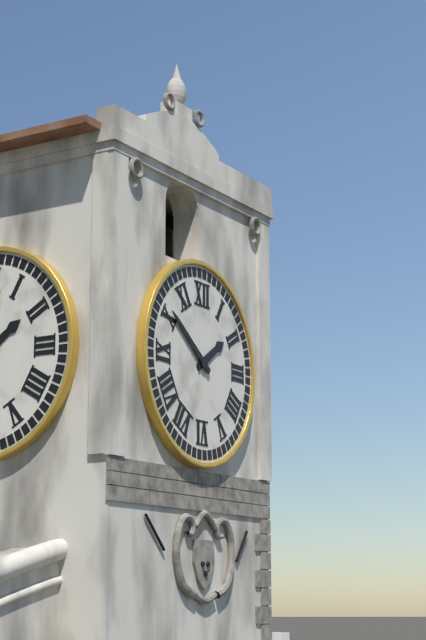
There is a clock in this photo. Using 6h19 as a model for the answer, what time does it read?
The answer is 1h51
